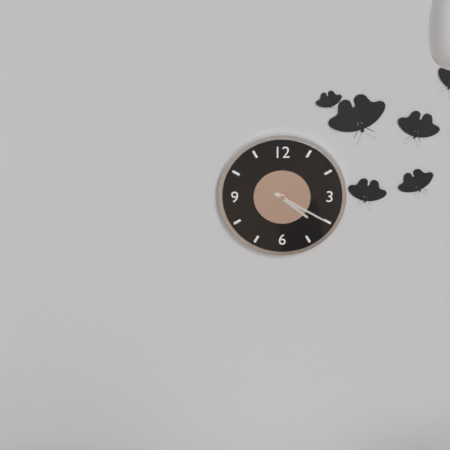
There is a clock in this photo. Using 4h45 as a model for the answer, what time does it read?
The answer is 4h20
